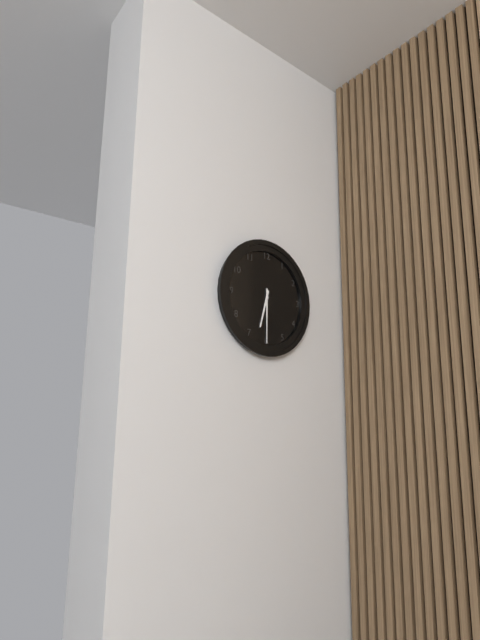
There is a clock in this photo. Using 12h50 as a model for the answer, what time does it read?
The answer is 6h30
